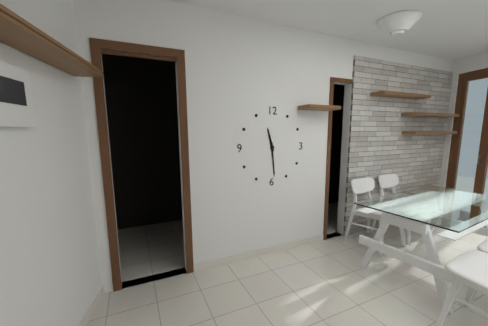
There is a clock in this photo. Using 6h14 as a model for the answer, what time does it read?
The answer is 11h29
